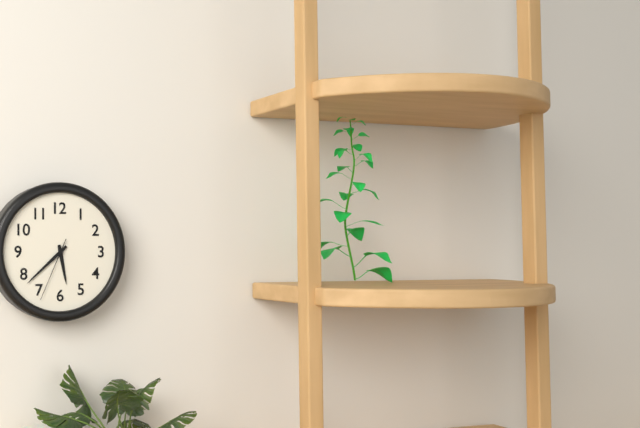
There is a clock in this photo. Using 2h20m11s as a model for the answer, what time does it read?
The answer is 5h38m34s
